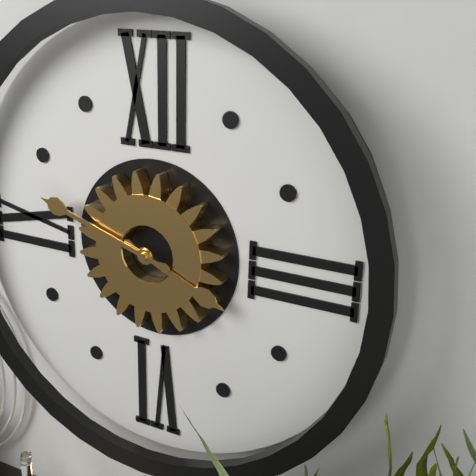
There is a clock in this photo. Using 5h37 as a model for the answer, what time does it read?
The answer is 3h48
